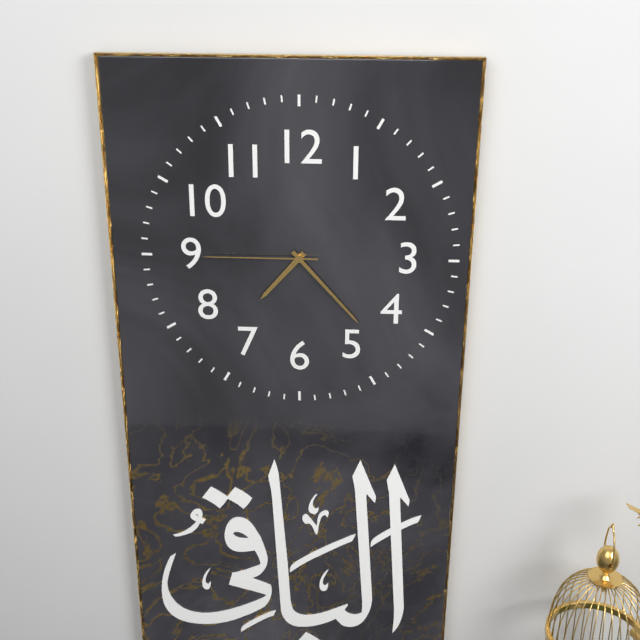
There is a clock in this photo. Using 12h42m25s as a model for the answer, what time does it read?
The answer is 7h23m45s
